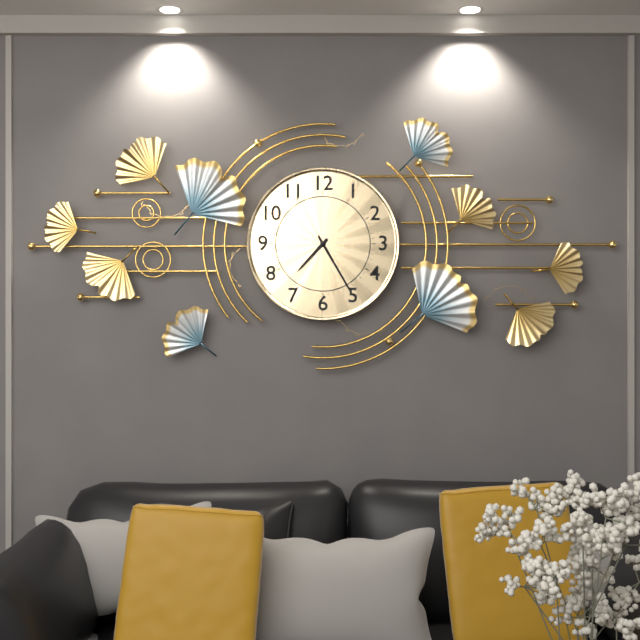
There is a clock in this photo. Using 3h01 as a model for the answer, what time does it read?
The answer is 7h25
